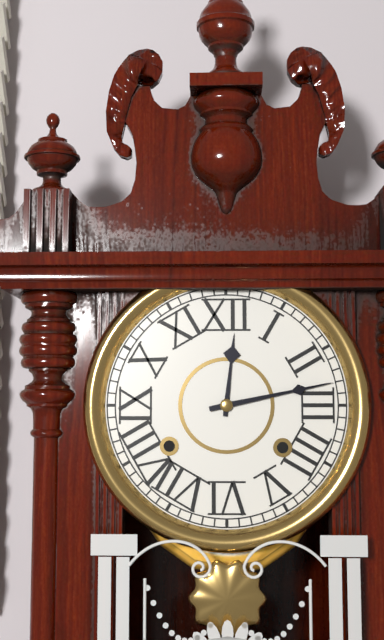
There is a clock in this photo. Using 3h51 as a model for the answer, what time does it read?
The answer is 12h13
